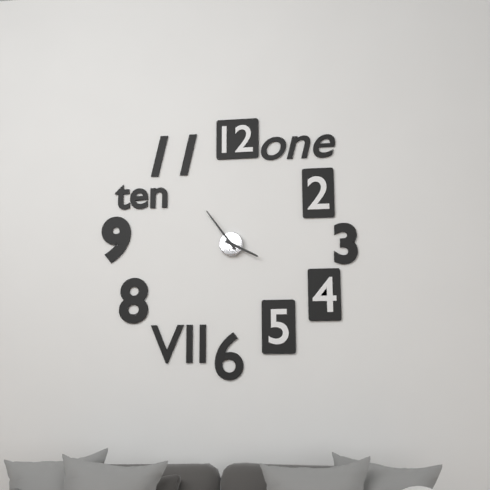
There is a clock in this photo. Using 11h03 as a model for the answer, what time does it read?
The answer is 3h54
